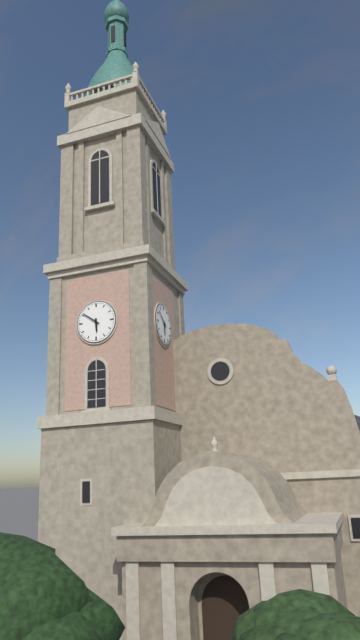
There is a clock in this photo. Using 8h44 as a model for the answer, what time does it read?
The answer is 5h51
